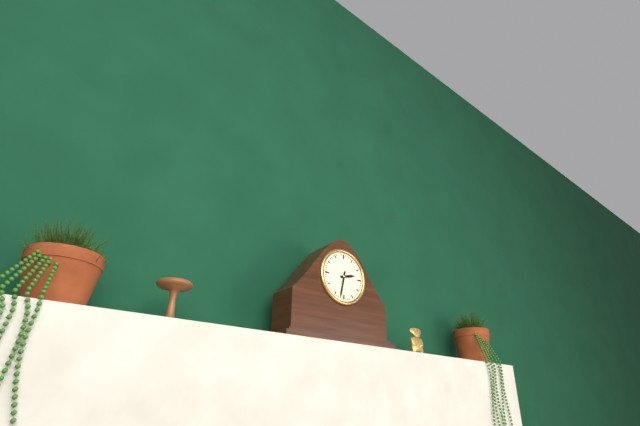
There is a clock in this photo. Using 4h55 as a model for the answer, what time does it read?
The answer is 2h32
